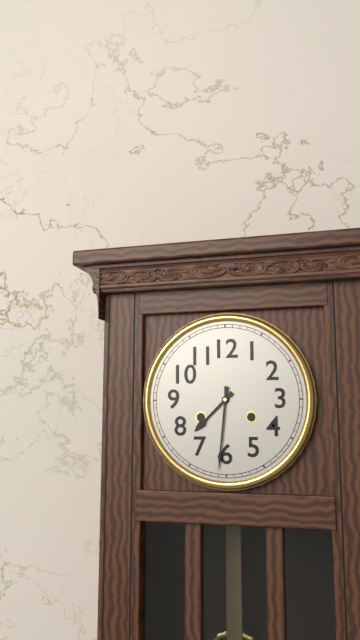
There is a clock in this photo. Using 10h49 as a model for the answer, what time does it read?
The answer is 7h31
